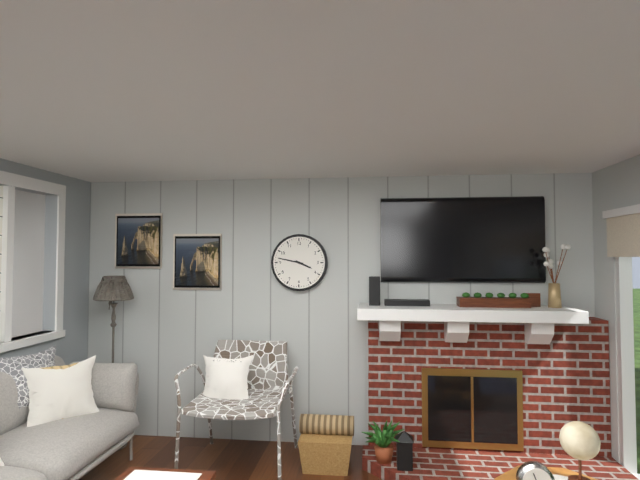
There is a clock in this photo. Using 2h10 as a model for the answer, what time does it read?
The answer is 3h47
